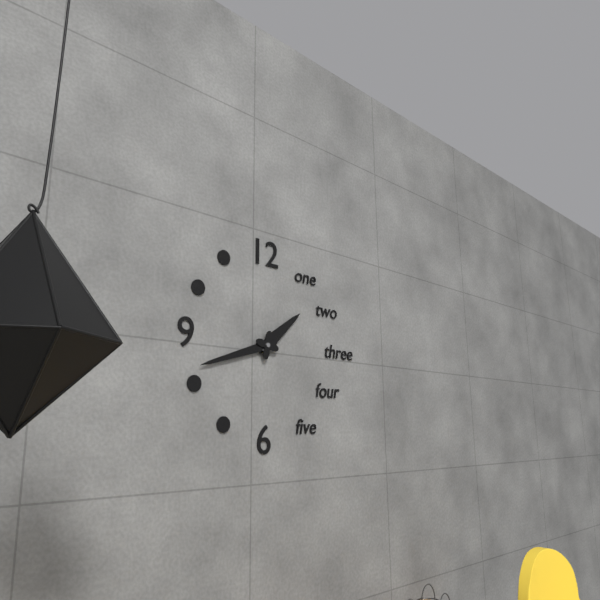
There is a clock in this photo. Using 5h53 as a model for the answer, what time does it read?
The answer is 1h42
